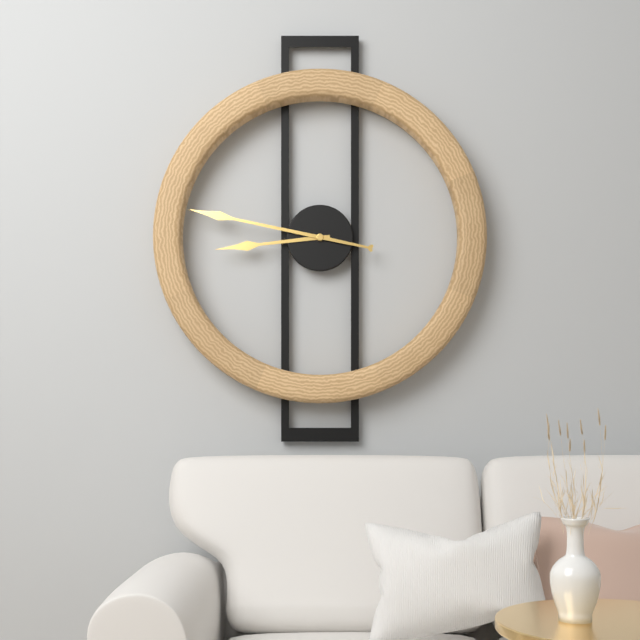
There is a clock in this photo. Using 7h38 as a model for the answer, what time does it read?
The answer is 8h47
